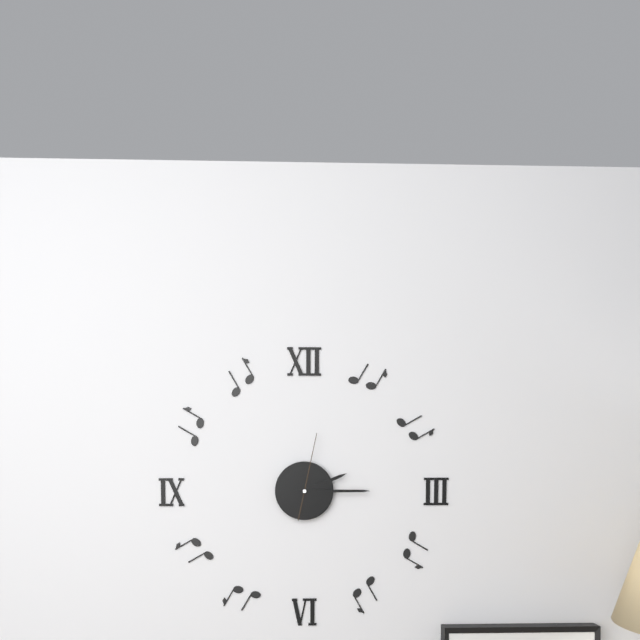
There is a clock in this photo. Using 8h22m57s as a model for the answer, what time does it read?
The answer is 2h15m02s
